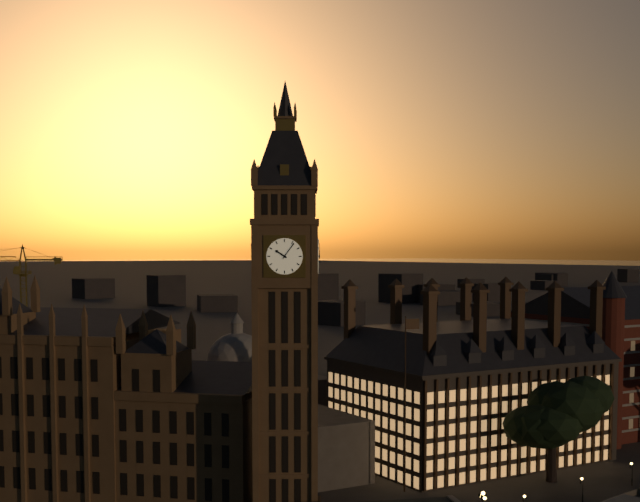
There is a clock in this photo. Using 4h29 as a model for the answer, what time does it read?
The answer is 10h06
